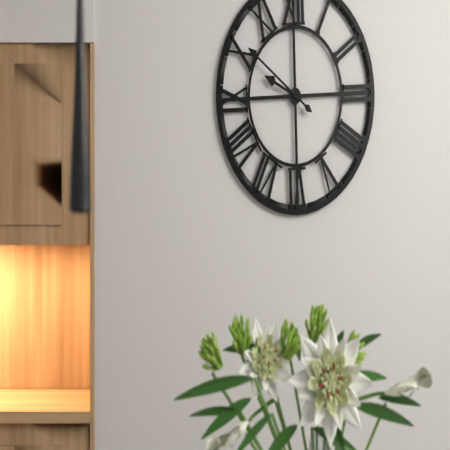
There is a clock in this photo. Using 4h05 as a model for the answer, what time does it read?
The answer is 9h51
